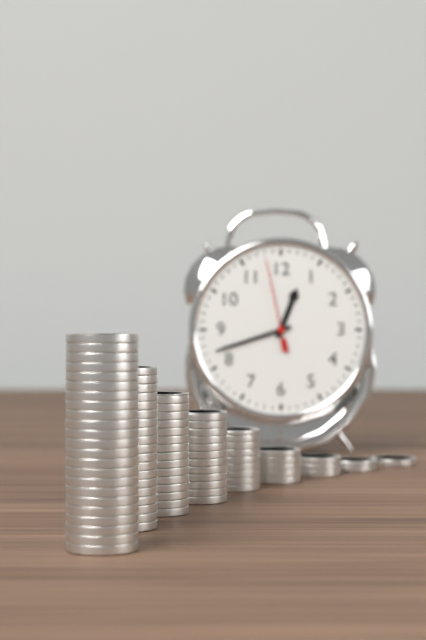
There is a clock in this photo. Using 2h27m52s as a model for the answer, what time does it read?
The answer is 12h42m58s
